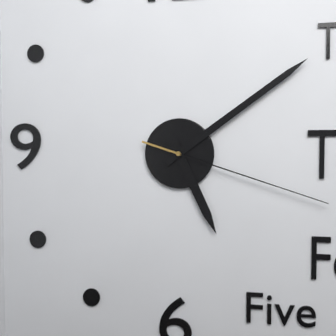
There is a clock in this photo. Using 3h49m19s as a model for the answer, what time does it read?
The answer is 5h09m18s
